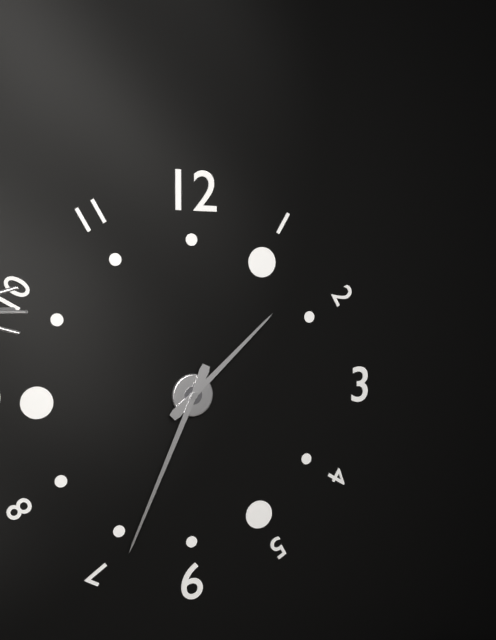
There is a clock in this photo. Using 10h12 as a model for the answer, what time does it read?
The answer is 1h34
